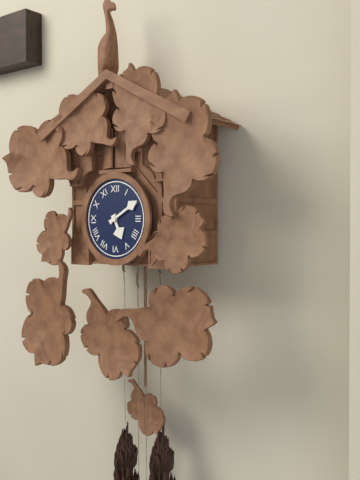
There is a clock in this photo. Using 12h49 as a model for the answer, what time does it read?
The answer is 5h10
